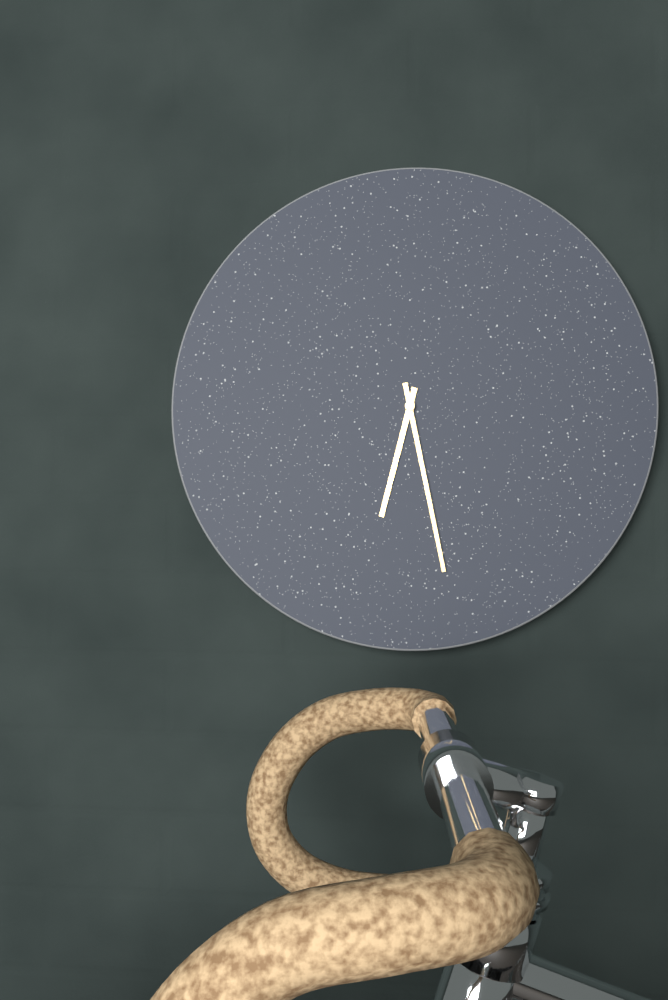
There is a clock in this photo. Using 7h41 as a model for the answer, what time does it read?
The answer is 6h28
